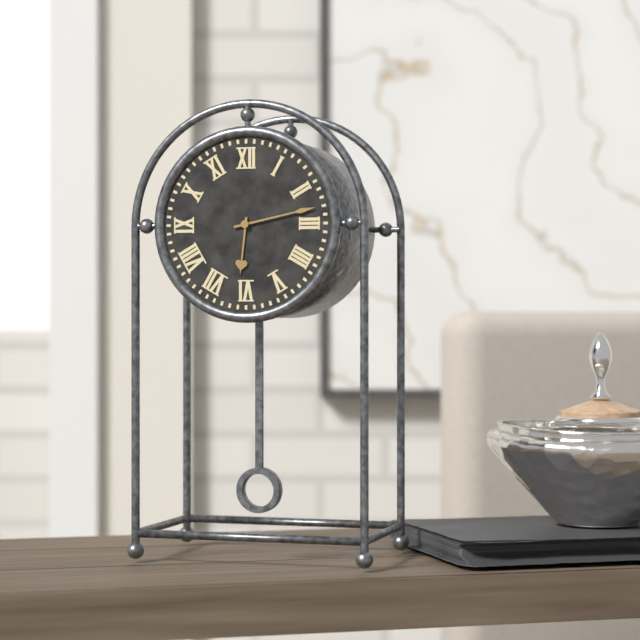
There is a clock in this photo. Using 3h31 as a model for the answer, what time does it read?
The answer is 6h13
